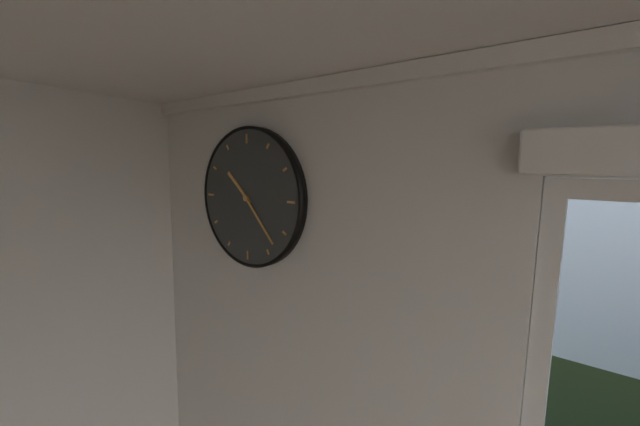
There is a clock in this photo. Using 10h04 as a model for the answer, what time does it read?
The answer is 10h23
